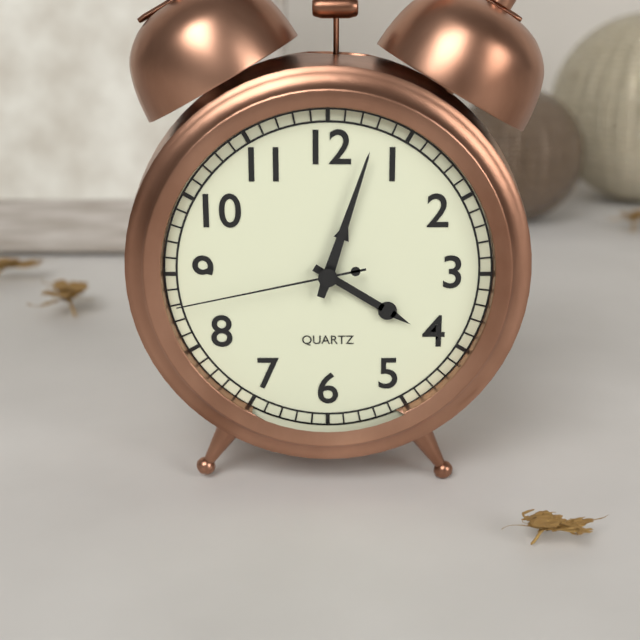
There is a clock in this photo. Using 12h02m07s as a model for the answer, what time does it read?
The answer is 4h03m43s
